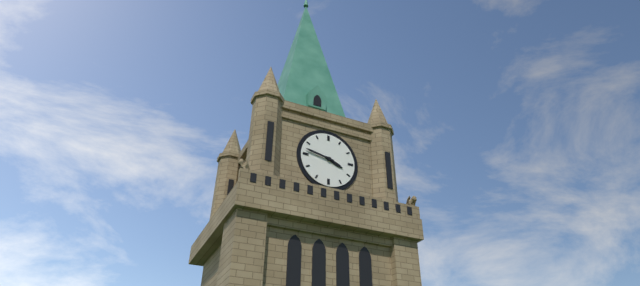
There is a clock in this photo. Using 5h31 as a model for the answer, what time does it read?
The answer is 3h47
